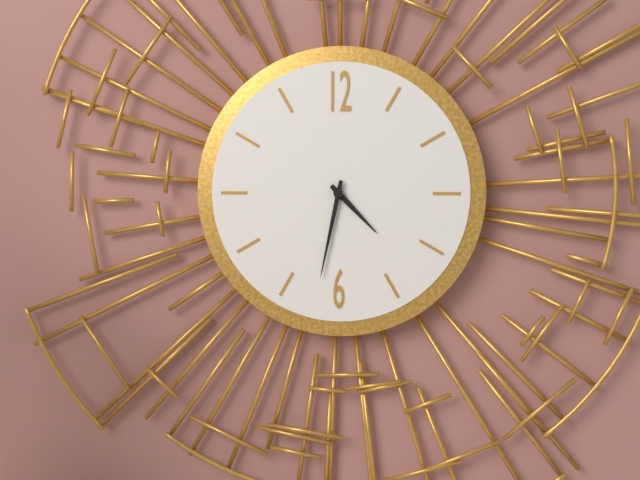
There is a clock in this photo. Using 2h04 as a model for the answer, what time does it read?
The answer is 4h32
